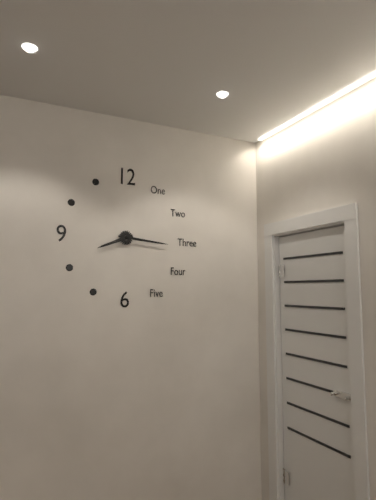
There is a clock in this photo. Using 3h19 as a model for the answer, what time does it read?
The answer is 8h16
